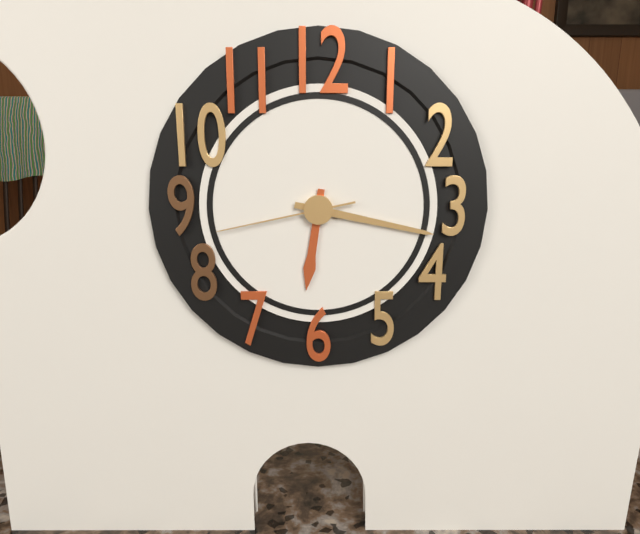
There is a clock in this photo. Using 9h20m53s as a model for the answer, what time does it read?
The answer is 6h17m43s
